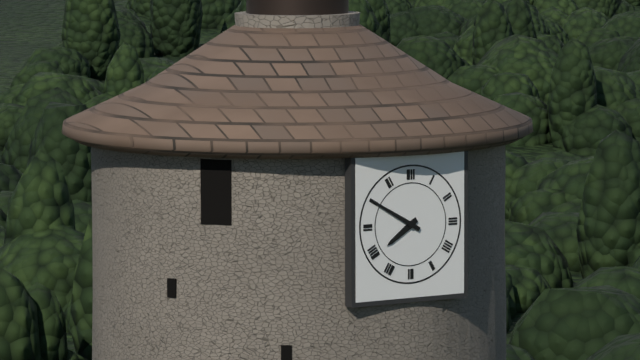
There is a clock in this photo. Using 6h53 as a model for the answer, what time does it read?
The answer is 7h50
